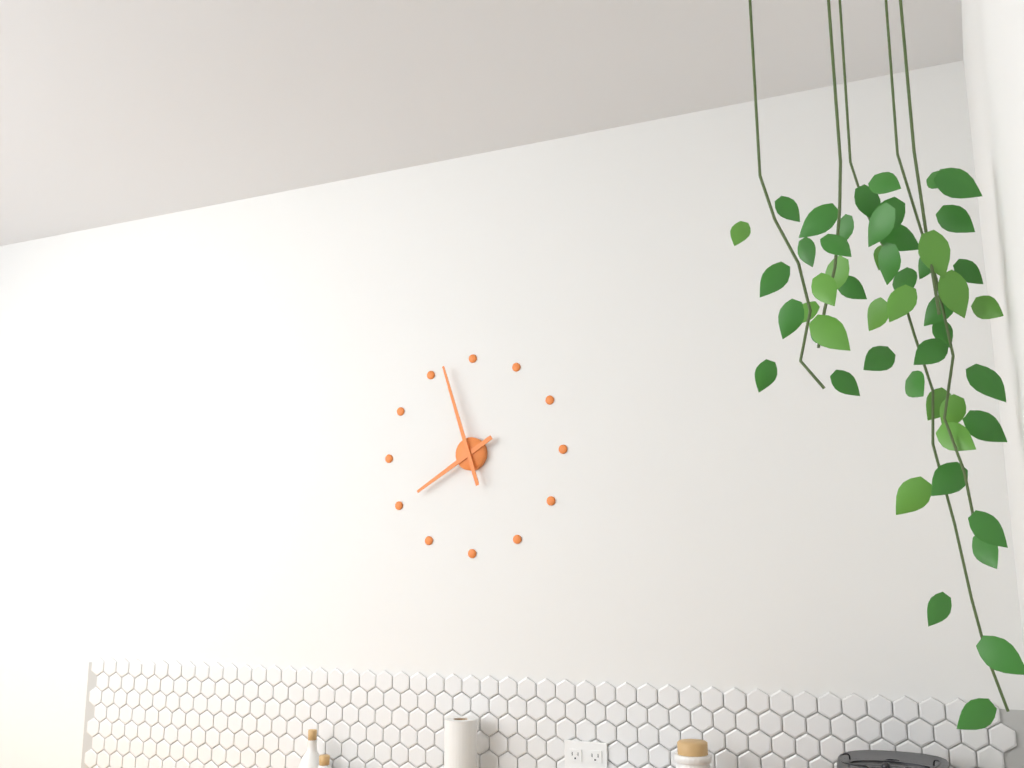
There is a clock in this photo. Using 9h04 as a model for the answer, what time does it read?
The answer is 7h57
